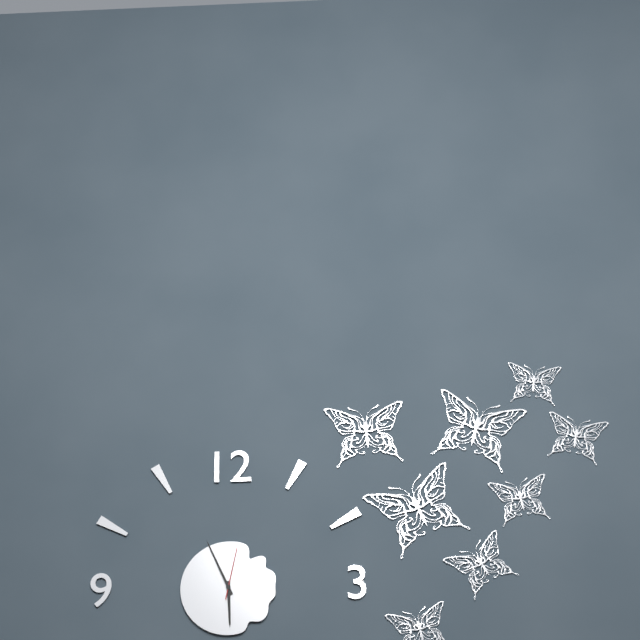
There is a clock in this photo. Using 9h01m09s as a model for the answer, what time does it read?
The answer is 5h56m02s
